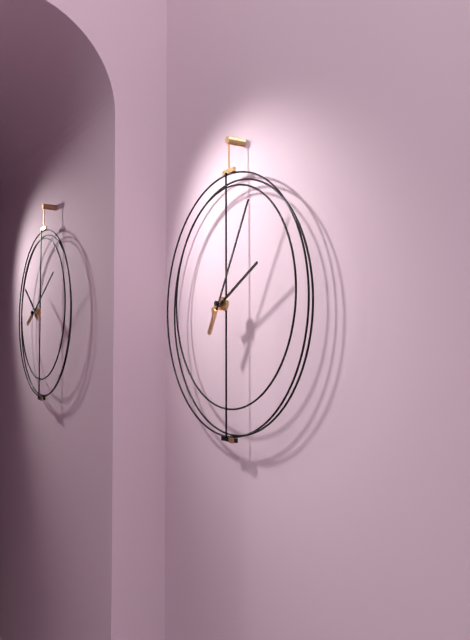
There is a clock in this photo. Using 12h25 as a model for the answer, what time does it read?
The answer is 2h05
